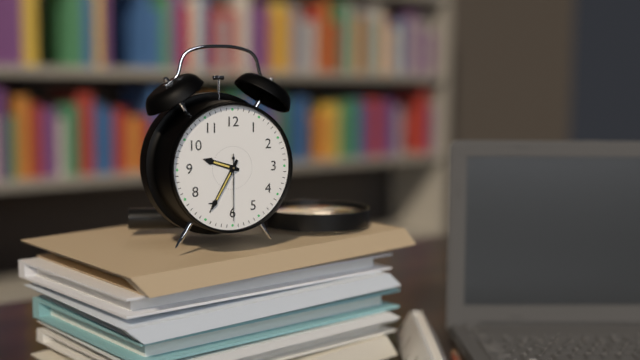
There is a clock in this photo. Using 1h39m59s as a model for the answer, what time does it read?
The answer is 9h35m30s
